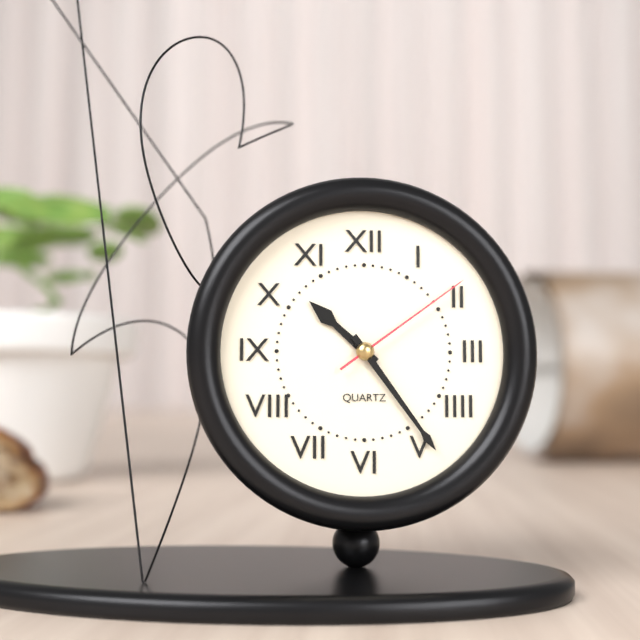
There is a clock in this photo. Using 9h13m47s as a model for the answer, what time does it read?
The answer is 10h24m09s
